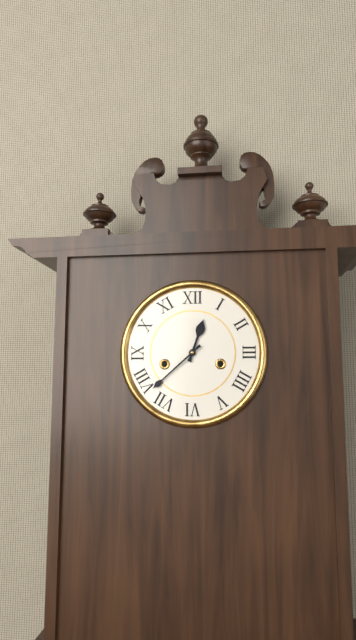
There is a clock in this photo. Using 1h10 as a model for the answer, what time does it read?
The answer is 12h38
